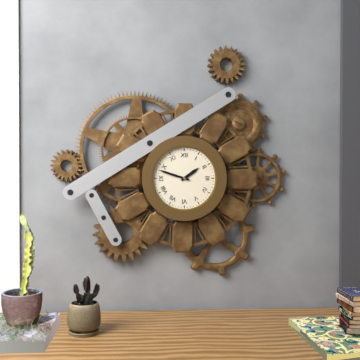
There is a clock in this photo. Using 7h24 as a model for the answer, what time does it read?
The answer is 1h48
